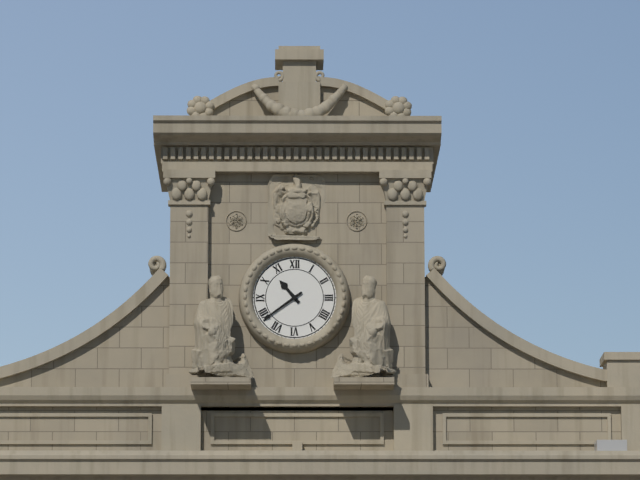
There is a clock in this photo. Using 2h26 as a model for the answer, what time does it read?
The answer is 10h39
